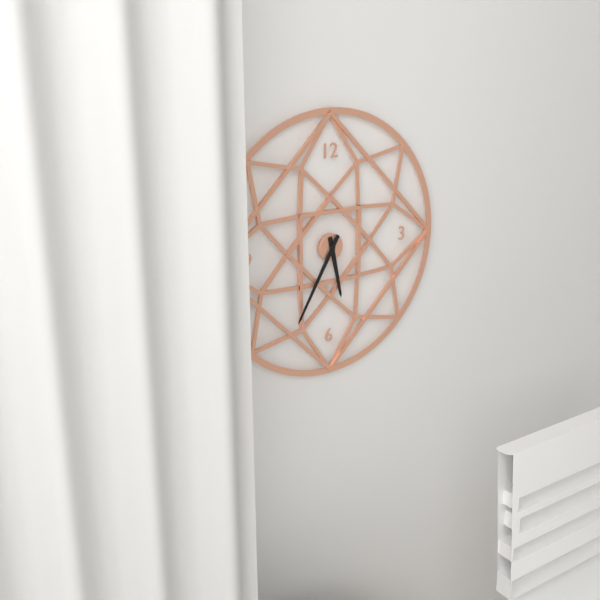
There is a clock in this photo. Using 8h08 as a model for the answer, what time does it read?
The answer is 5h35
